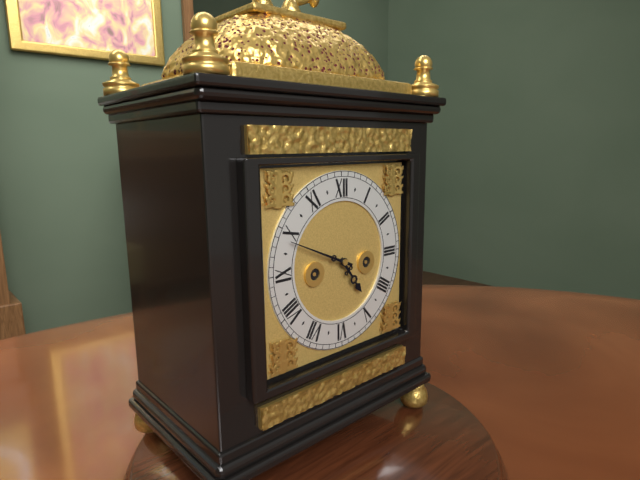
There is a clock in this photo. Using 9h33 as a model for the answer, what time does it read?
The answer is 4h49
